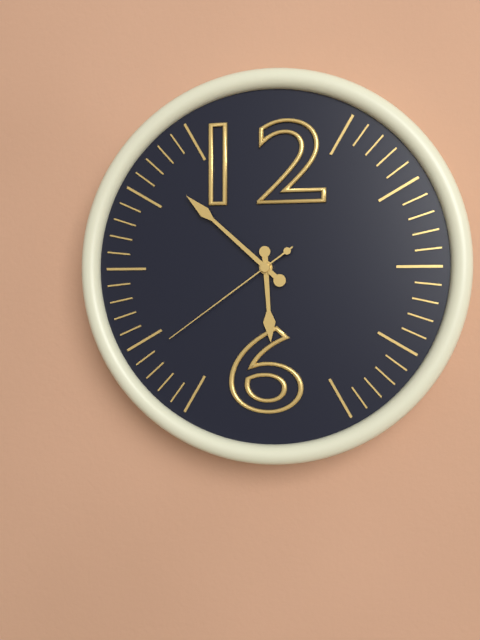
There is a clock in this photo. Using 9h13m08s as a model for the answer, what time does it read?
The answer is 5h52m39s
